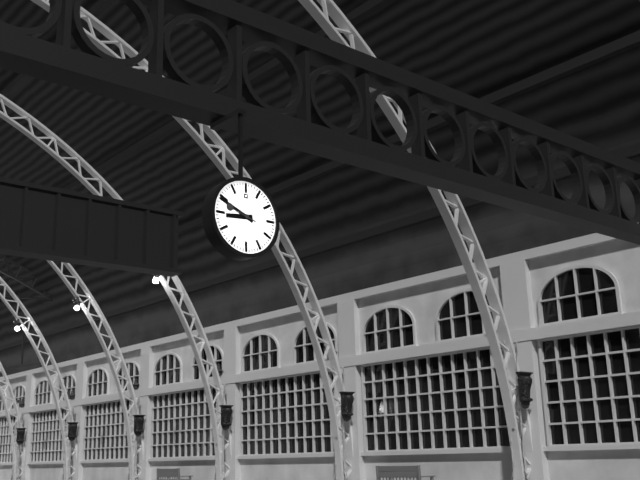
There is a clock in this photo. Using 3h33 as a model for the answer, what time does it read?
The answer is 8h49
